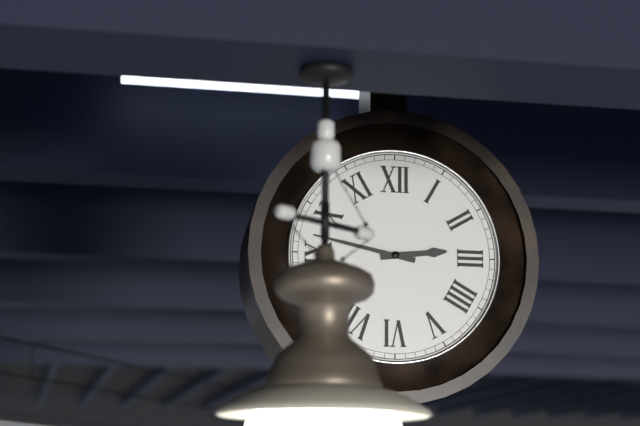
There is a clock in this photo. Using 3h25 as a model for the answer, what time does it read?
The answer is 2h47
